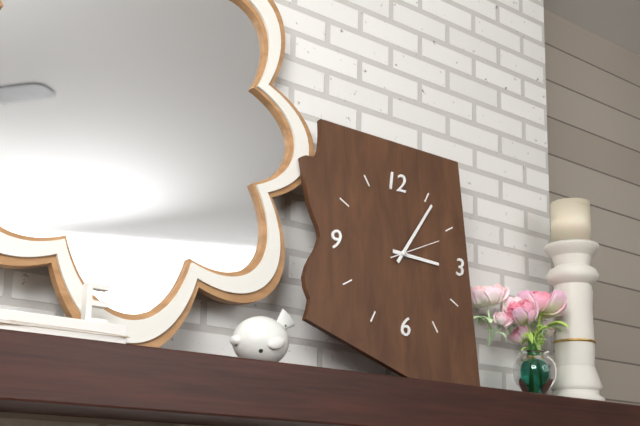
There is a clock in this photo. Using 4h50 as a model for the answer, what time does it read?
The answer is 3h06
